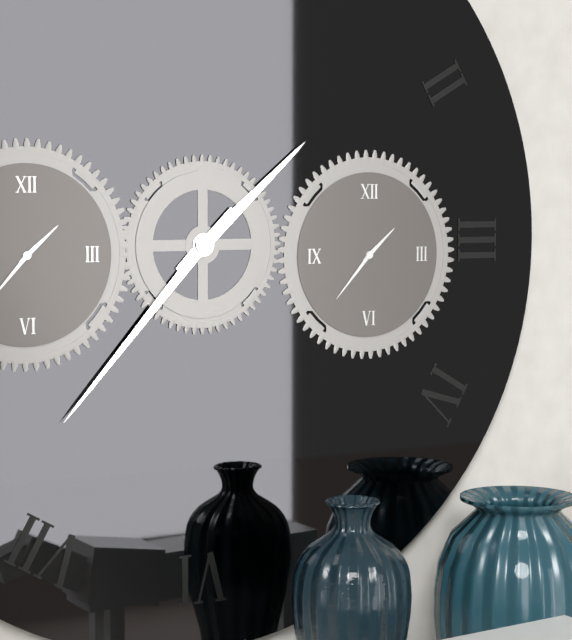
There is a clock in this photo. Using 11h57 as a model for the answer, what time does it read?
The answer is 1h37
